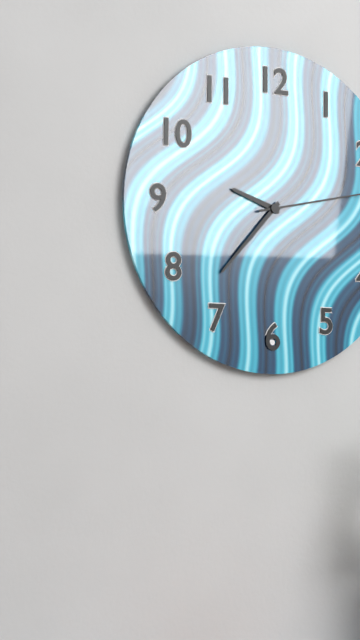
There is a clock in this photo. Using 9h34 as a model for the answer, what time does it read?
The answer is 9h37
